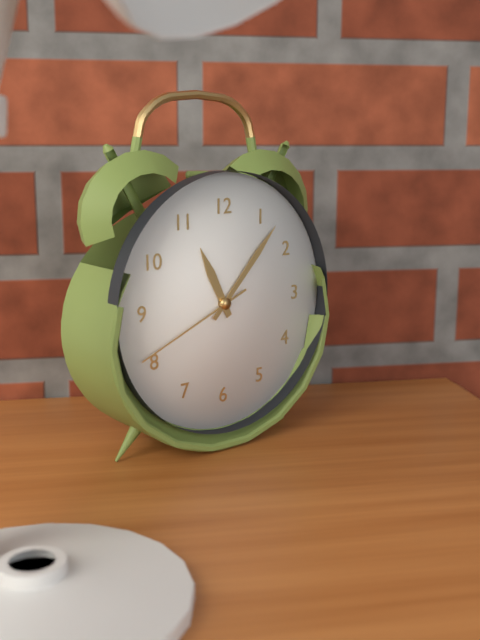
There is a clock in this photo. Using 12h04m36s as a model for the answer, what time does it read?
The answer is 11h07m41s
